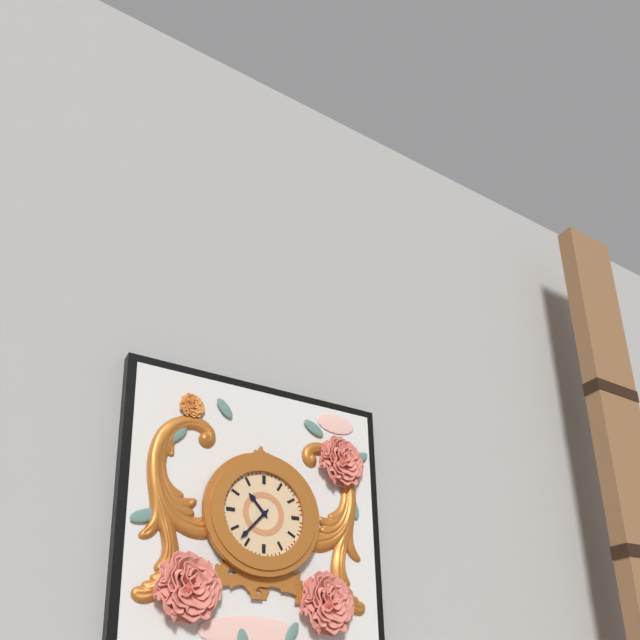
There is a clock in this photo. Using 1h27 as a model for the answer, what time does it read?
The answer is 10h37
